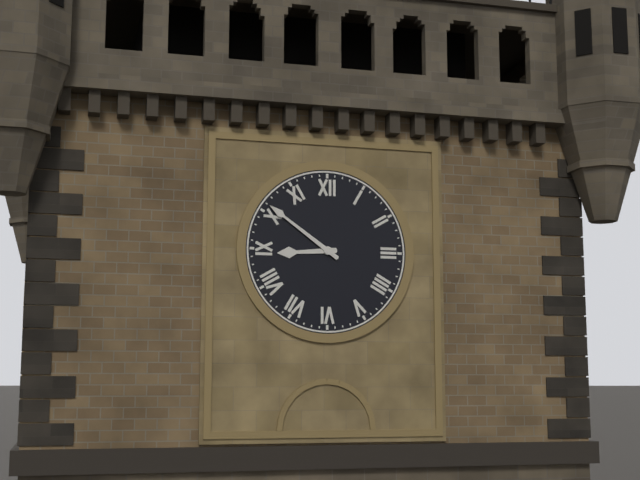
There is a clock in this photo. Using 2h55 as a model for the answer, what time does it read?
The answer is 8h51
